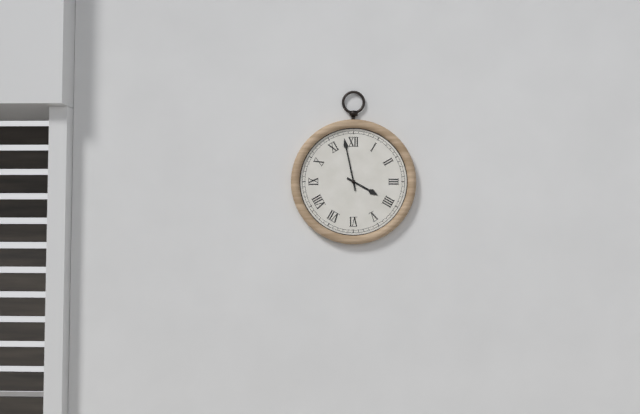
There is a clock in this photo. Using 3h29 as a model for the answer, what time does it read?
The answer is 3h58
